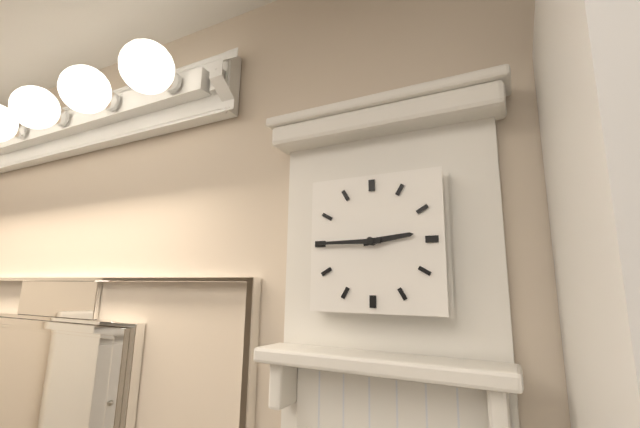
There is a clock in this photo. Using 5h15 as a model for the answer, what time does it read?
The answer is 2h45
